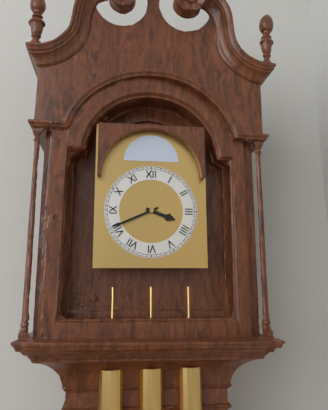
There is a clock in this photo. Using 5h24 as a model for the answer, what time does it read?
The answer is 3h41
